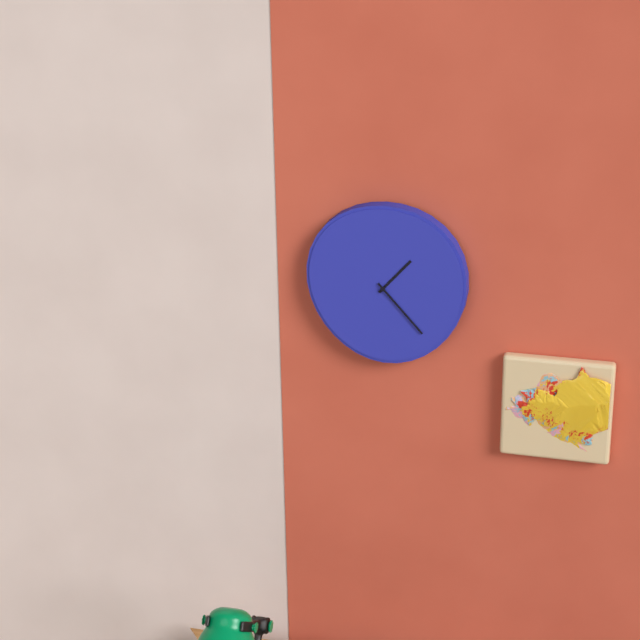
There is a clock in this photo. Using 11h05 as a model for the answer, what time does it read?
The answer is 1h23
